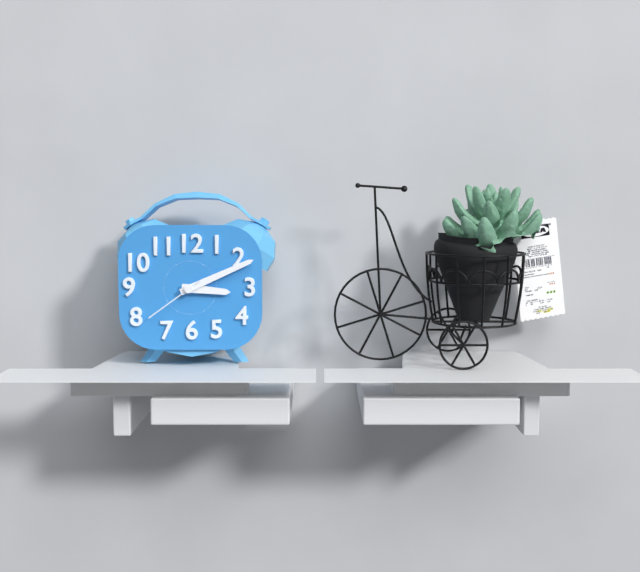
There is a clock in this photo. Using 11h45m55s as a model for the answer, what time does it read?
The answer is 3h11m39s
